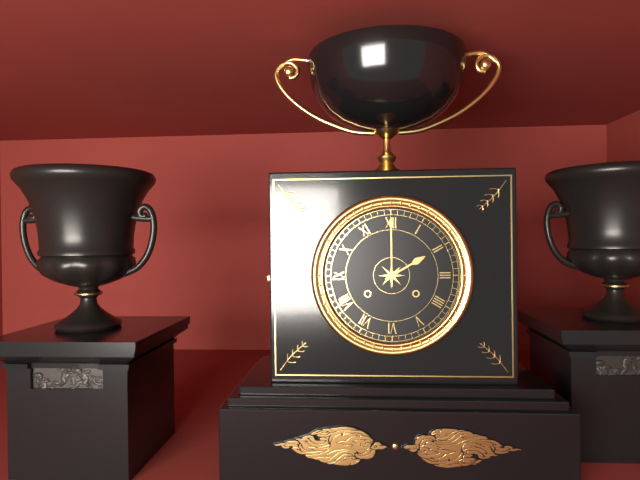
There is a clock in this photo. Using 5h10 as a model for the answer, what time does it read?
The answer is 2h00
